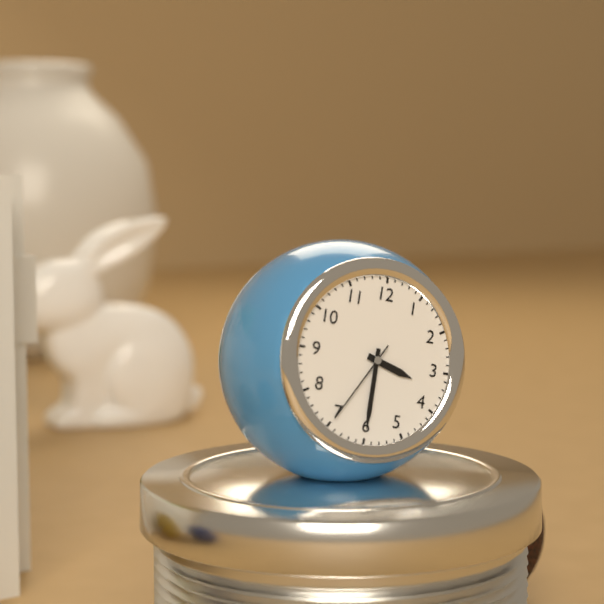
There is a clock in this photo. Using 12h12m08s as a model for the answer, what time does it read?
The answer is 3h30m35s
